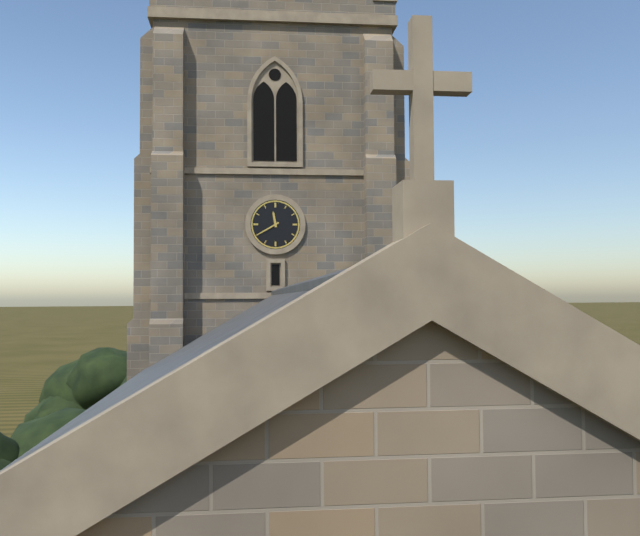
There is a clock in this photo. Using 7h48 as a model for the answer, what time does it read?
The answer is 11h40
